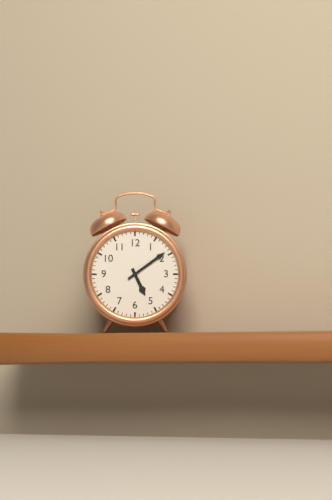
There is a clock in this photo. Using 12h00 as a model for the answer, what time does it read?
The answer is 5h09
